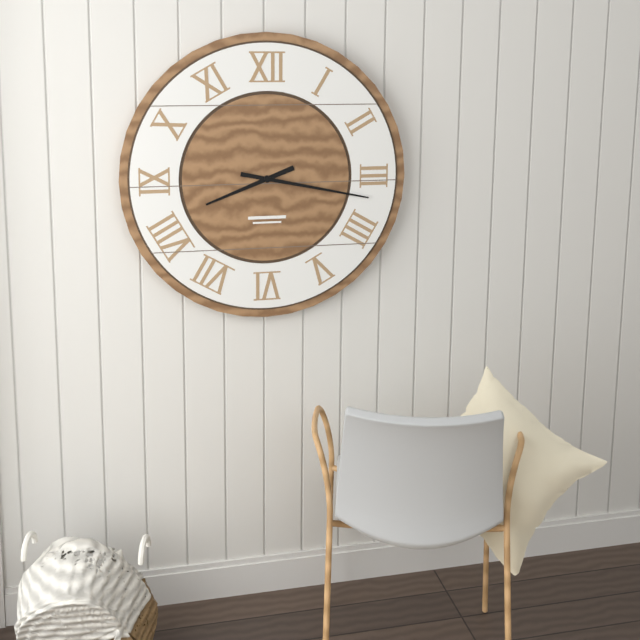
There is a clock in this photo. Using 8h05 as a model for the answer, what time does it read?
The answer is 8h17
